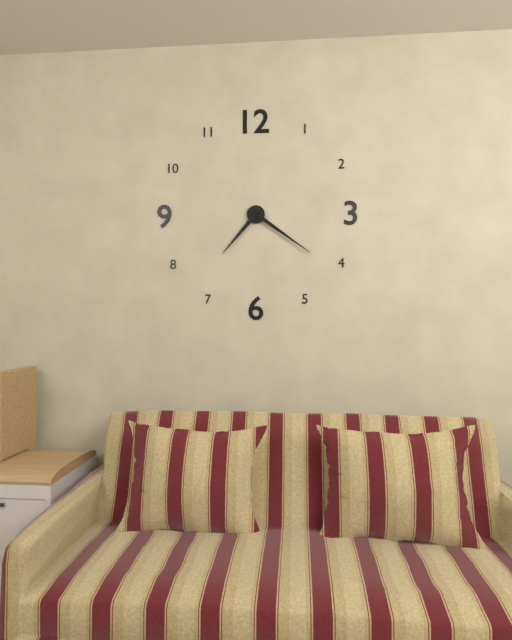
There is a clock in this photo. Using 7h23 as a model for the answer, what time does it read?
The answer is 7h21
